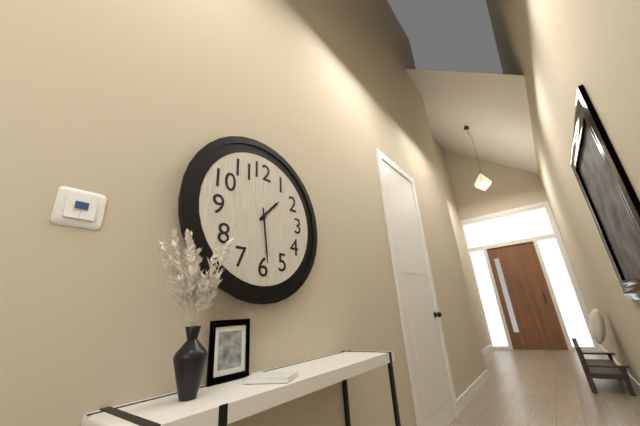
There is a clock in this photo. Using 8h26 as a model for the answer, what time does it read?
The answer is 1h29
